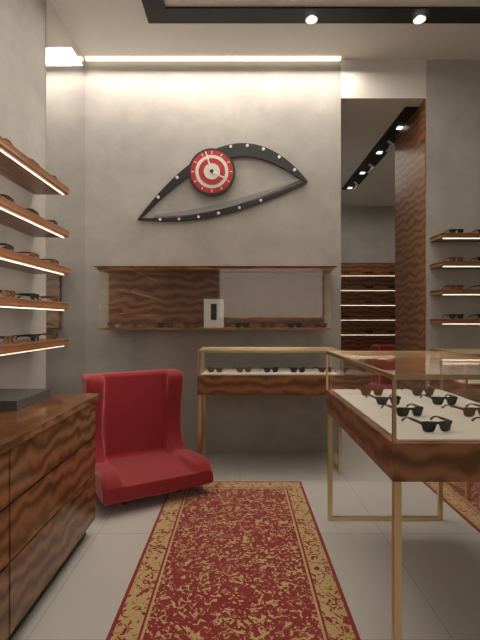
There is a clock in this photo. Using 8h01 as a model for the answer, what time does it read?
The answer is 3h57
